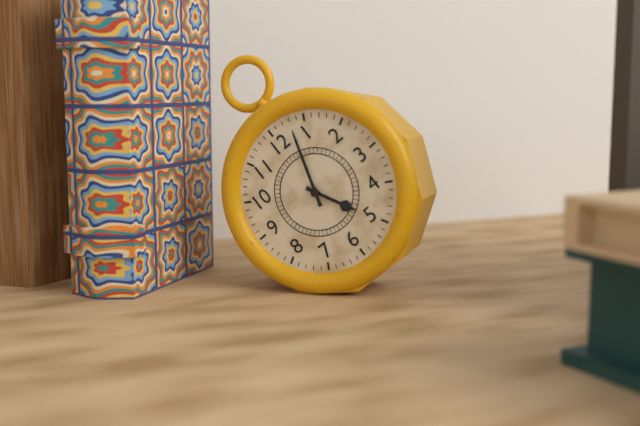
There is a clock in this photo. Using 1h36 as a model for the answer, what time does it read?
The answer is 5h03
